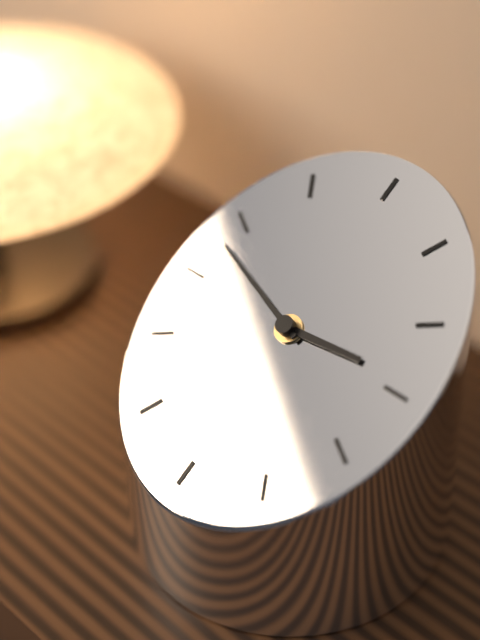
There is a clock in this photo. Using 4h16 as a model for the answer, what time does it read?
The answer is 2h48
